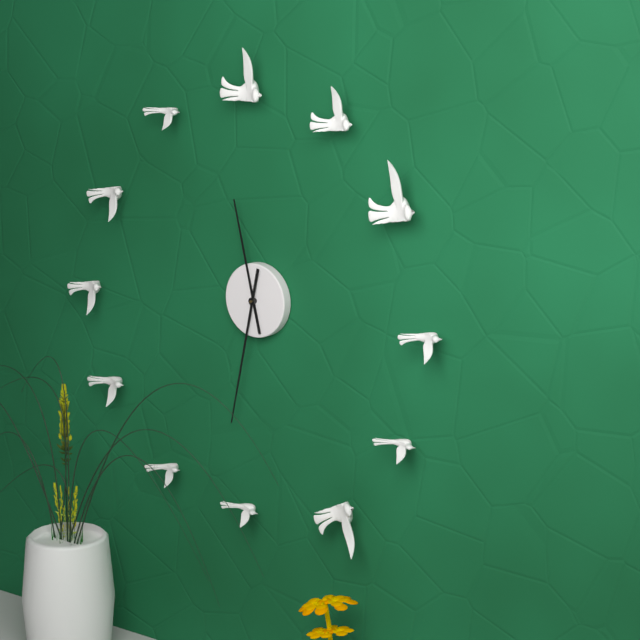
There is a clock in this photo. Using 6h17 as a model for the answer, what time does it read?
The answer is 11h32
